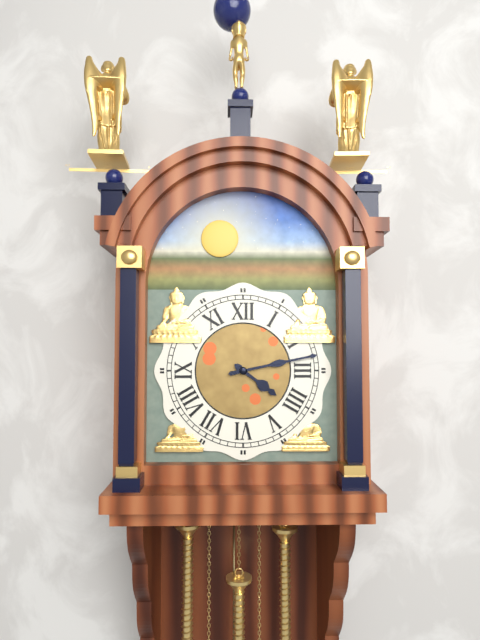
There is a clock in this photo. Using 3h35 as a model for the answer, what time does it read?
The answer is 4h13
